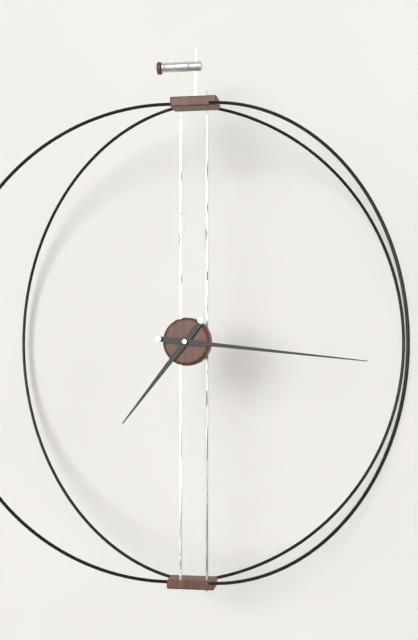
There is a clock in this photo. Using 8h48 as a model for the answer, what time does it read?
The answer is 7h16
